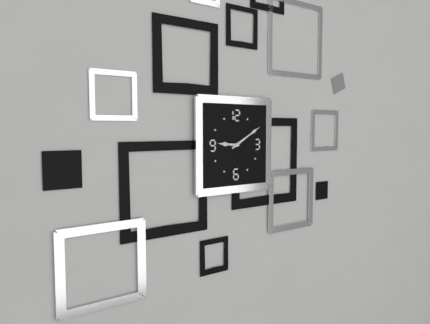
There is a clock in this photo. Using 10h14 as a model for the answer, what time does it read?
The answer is 9h10
